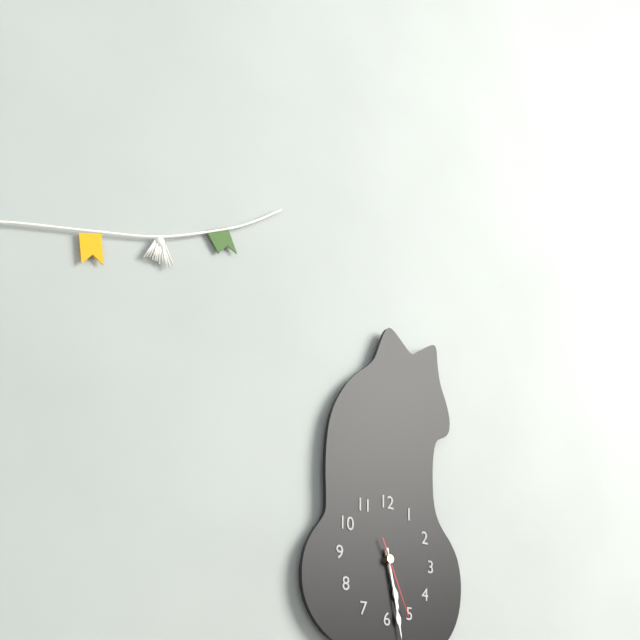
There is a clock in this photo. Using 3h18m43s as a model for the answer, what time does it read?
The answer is 5h28m26s
